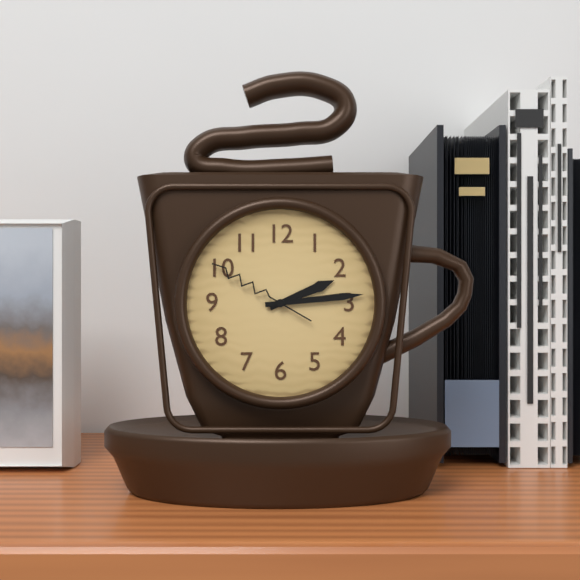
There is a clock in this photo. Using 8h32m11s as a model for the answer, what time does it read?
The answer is 2h14m50s
